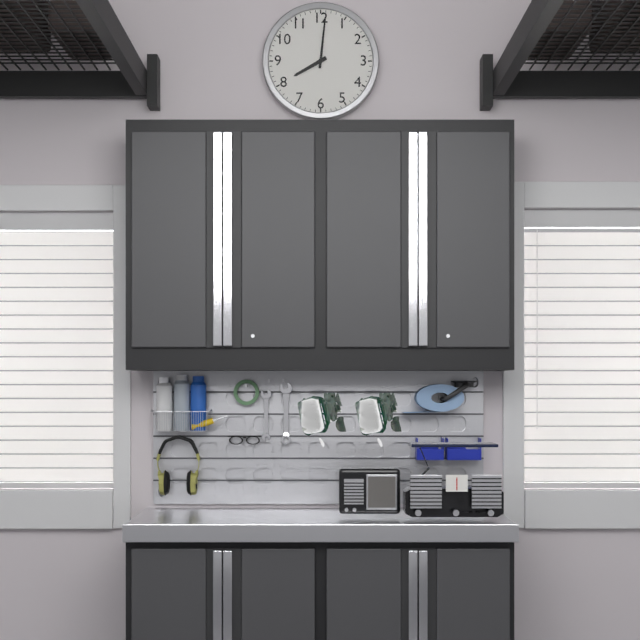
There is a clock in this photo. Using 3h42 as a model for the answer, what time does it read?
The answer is 8h01
